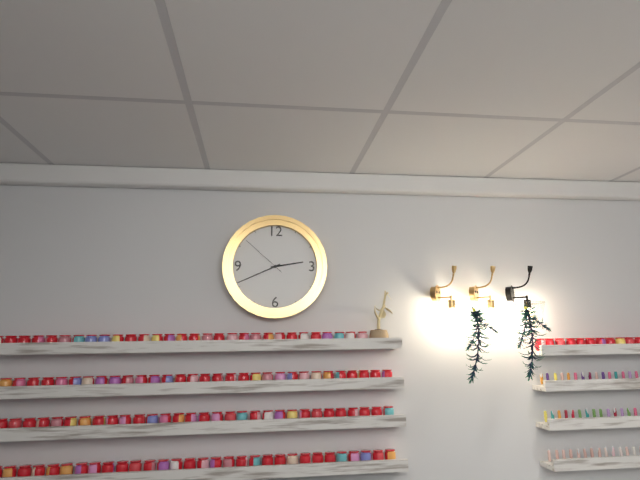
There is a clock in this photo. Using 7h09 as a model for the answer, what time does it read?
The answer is 2h41
